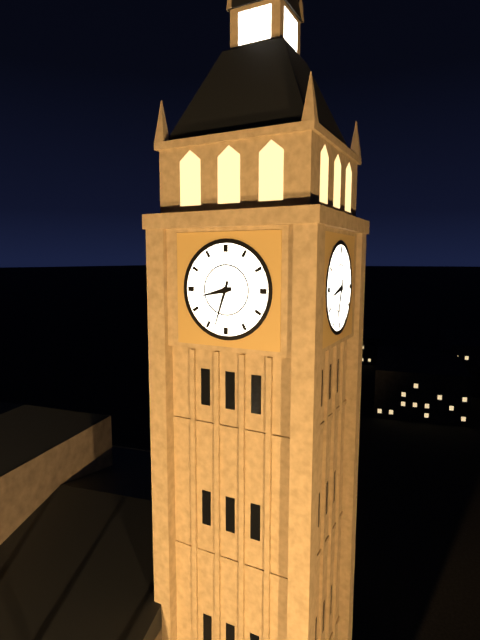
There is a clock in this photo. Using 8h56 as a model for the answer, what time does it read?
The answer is 8h33
